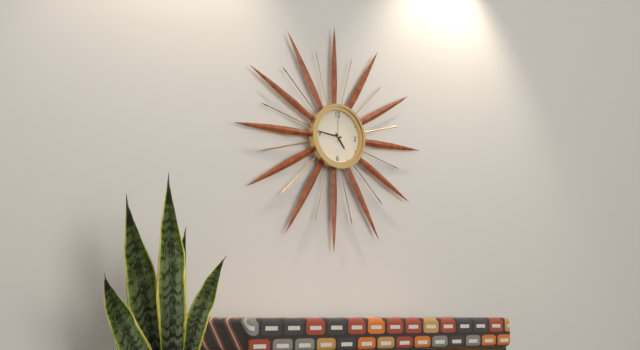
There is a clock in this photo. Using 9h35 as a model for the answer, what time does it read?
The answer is 4h46
